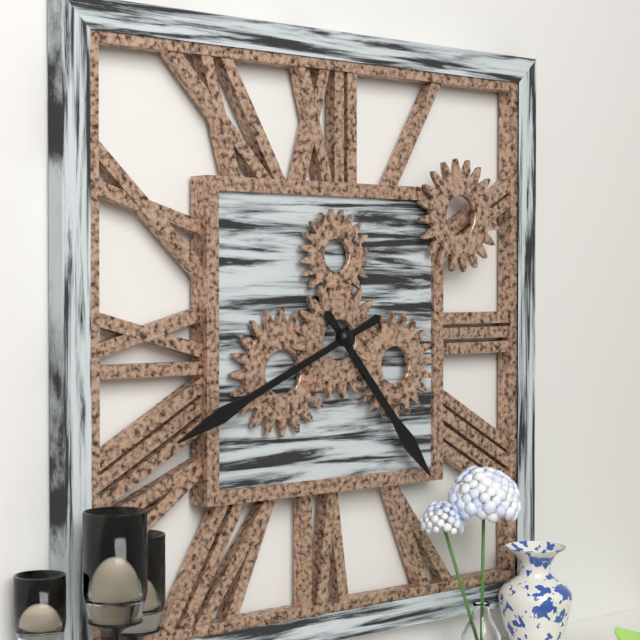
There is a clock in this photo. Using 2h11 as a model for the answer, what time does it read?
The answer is 4h41
